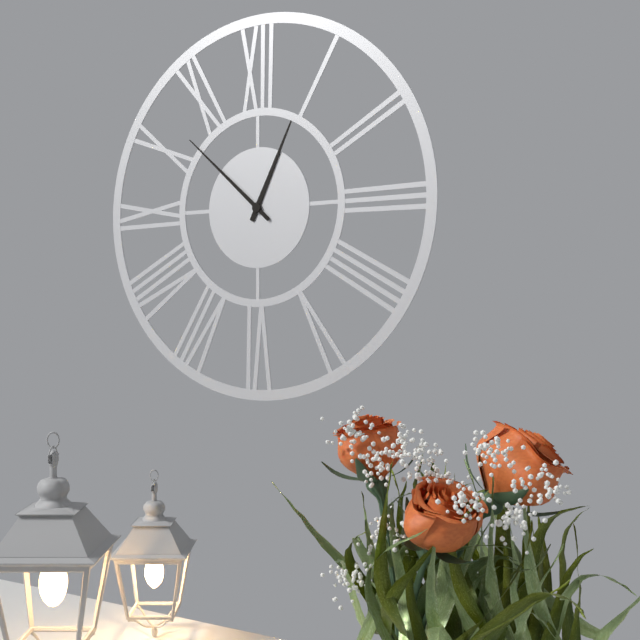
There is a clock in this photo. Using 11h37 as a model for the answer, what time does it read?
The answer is 12h52
